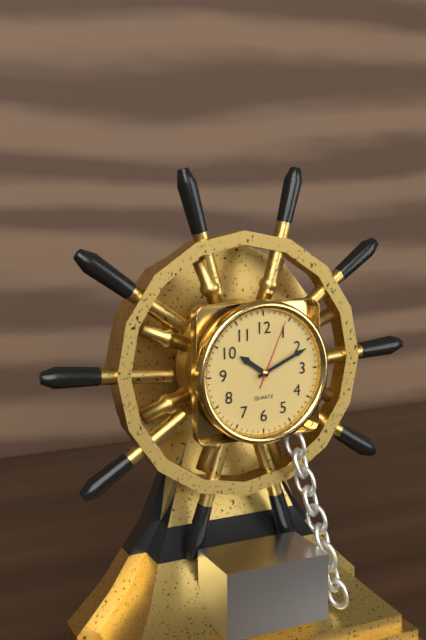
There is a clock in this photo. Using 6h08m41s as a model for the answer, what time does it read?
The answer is 10h11m04s
